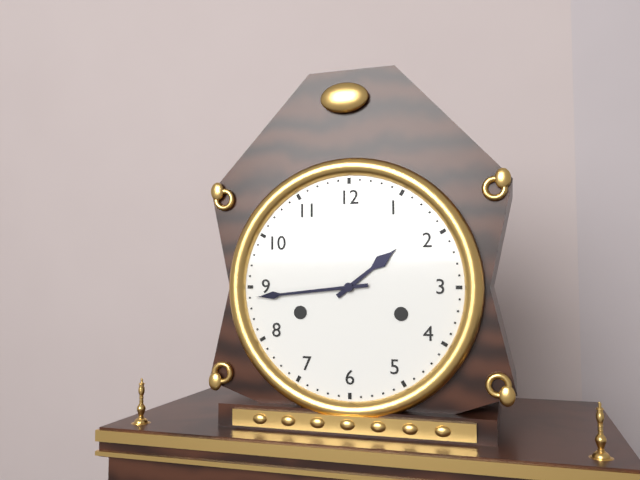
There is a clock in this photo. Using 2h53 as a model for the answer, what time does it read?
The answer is 1h44
